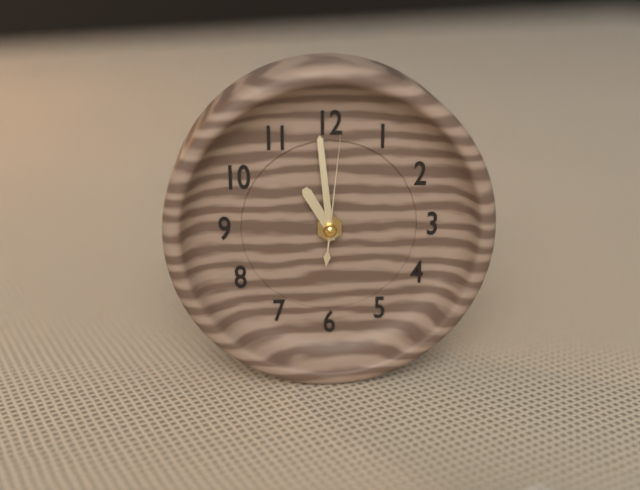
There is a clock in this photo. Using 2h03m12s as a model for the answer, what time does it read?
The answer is 10h59m01s
